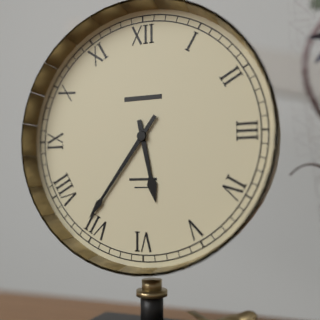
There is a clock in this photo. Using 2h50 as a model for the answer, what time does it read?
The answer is 5h36
